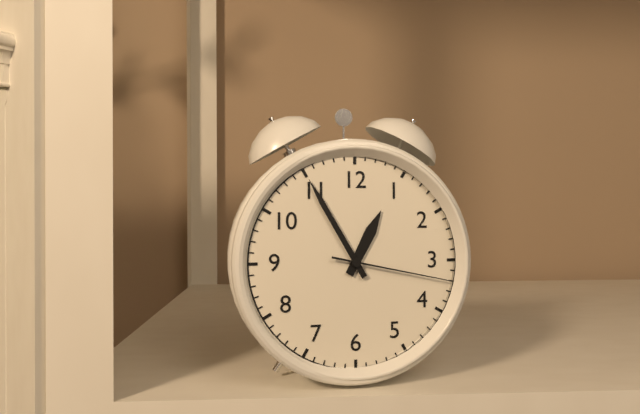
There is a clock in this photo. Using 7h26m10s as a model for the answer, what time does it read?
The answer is 12h55m17s
